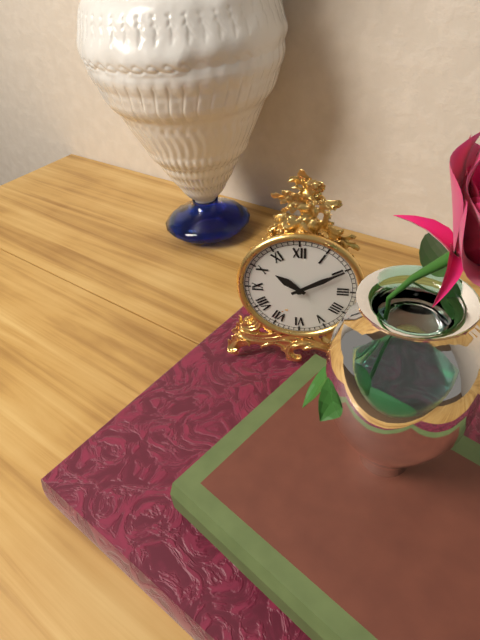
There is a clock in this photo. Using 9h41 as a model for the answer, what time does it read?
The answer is 10h10
